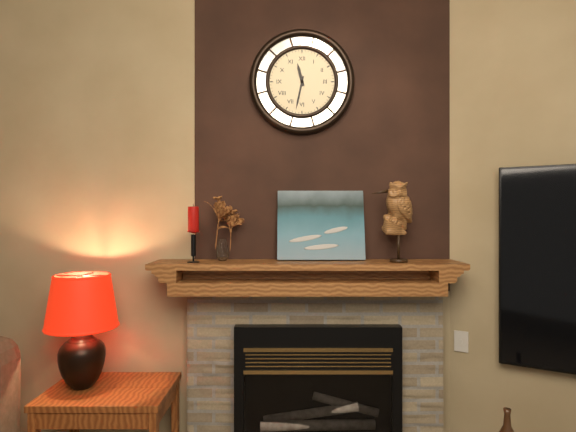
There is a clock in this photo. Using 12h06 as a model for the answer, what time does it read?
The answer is 11h32
